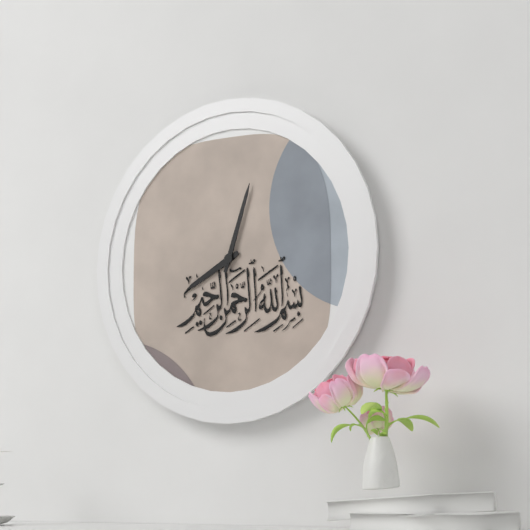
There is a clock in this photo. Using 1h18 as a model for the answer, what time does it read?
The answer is 8h03
